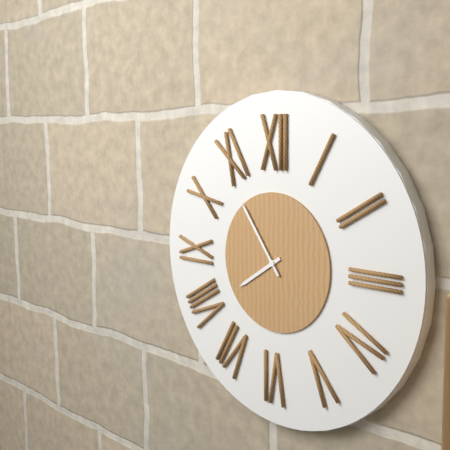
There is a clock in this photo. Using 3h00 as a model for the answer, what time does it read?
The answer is 7h54
